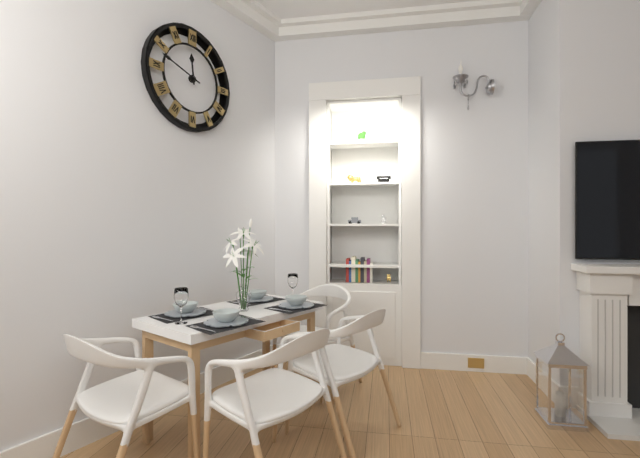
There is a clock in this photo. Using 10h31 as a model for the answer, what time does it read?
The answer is 11h48
